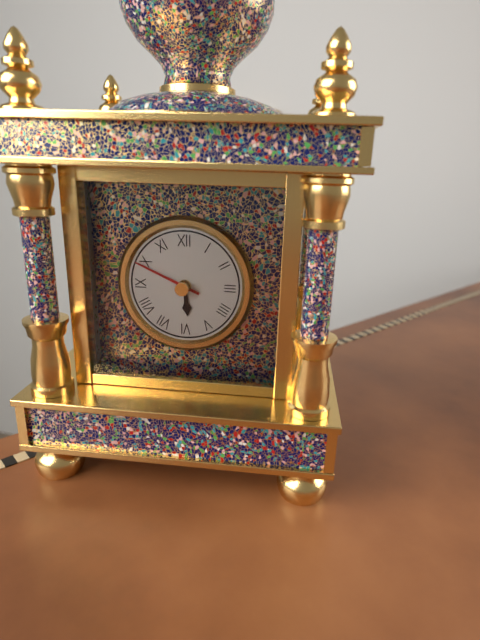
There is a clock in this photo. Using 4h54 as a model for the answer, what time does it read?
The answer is 5h49
